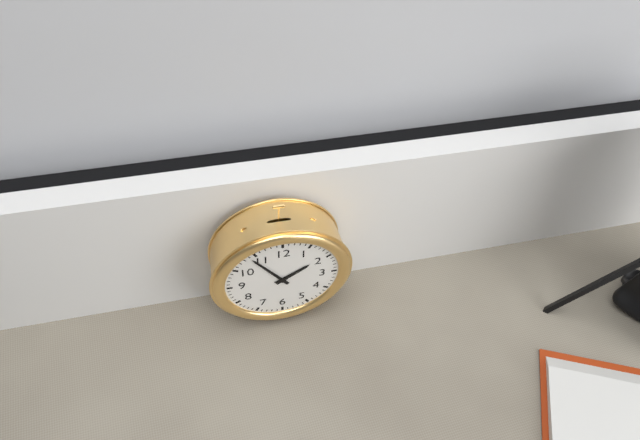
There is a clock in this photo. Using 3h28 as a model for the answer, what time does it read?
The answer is 1h54
